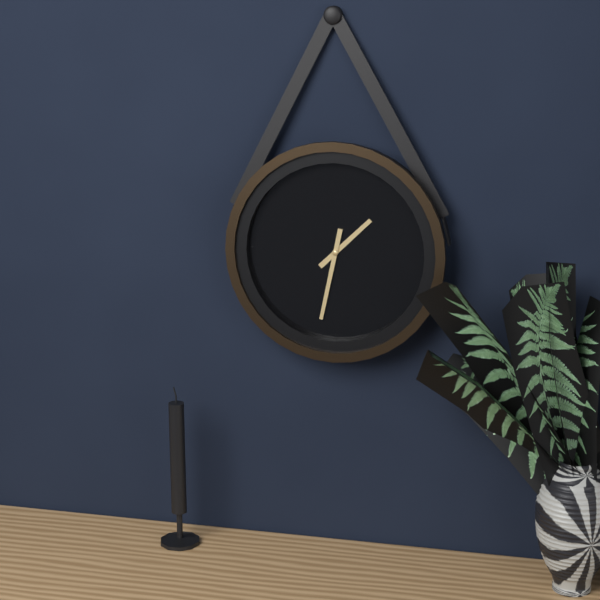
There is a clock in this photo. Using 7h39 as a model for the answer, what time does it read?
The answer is 1h32
